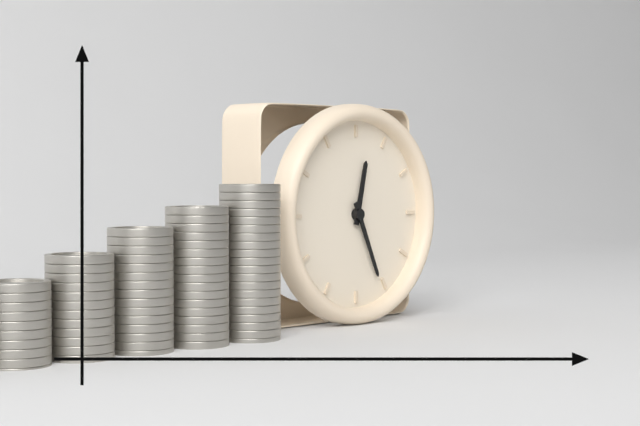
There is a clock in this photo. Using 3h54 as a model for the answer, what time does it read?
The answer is 12h26
